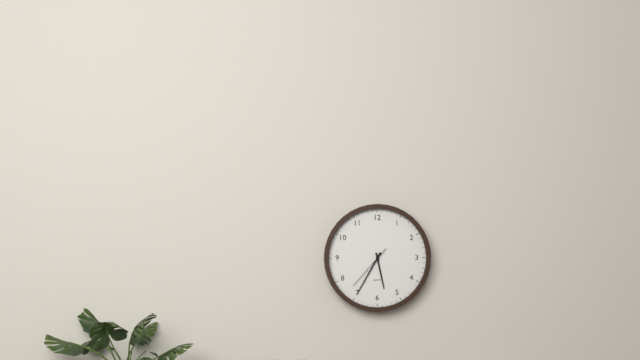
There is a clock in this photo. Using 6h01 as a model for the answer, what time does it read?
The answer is 5h35
